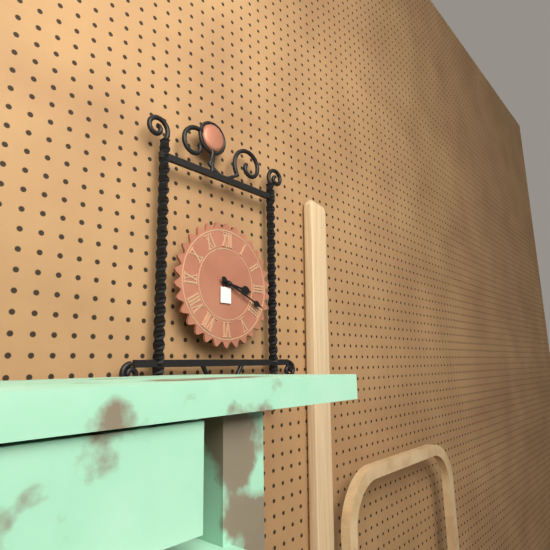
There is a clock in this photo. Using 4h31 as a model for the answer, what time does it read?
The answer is 3h19
